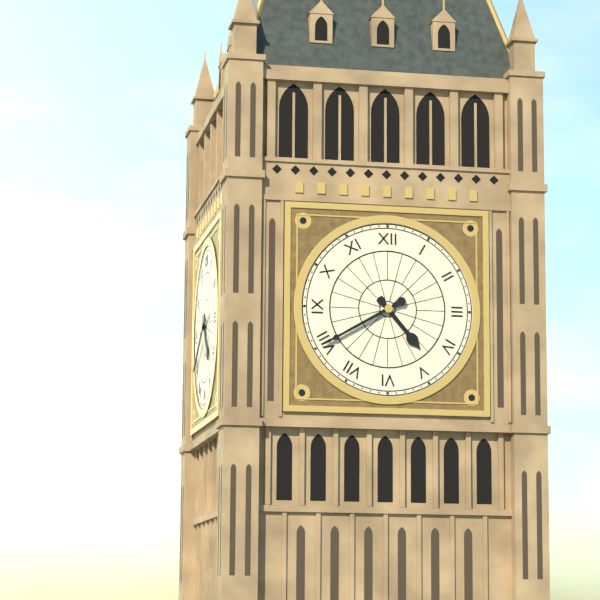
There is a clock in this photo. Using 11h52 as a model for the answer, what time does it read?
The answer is 4h40
